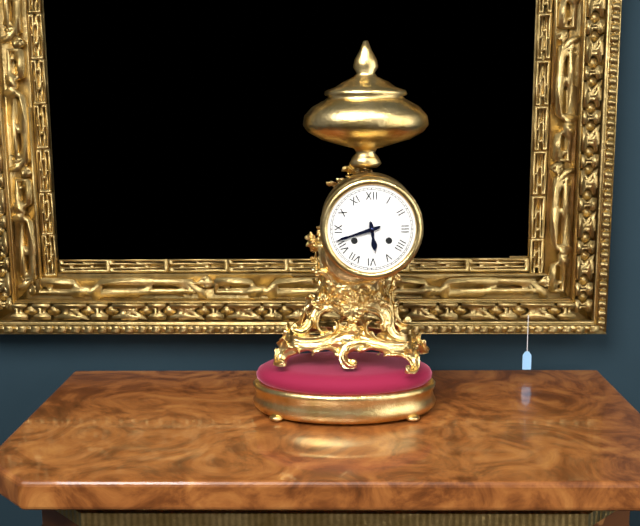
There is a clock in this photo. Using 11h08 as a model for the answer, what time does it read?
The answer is 5h42
